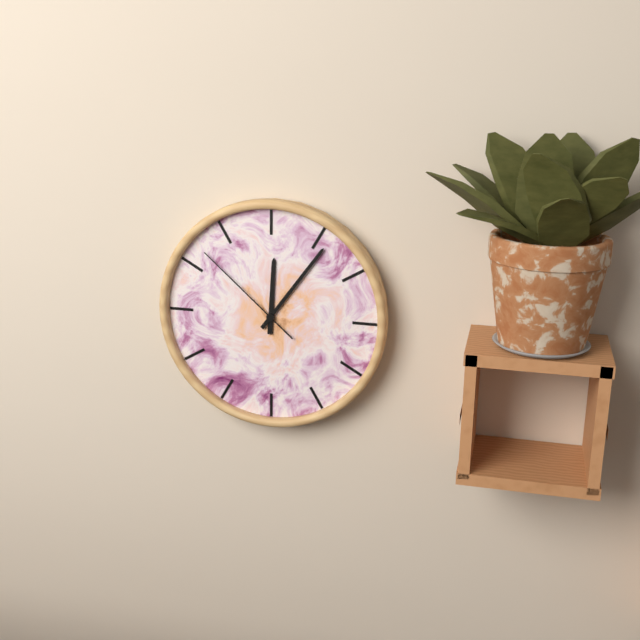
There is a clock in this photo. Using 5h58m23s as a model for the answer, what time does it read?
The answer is 12h06m52s
